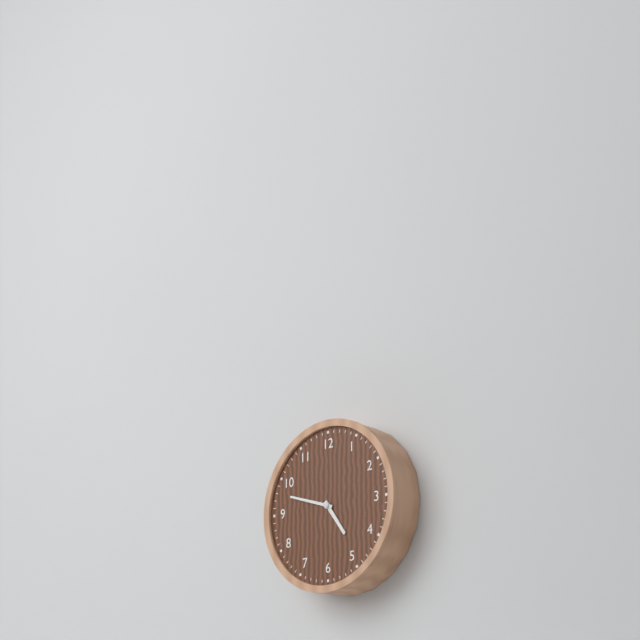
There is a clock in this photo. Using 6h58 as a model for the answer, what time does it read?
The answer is 4h48
